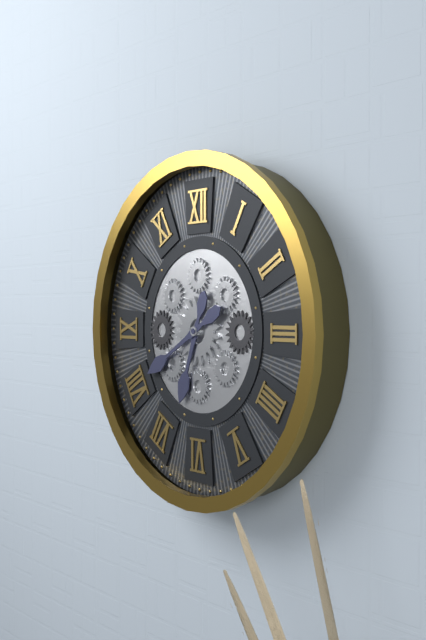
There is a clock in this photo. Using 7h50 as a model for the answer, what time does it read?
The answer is 6h40
